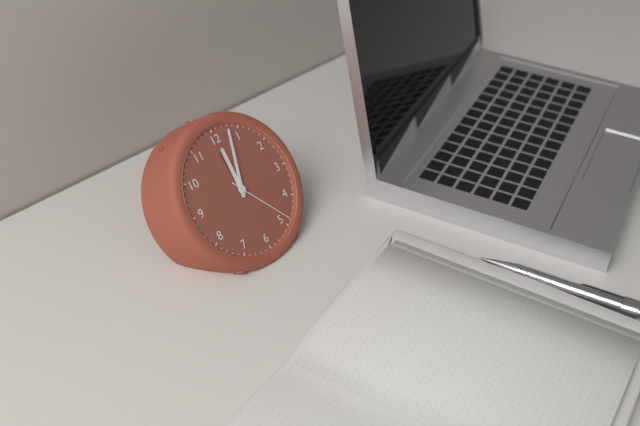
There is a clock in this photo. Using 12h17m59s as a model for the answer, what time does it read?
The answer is 12h03m24s
